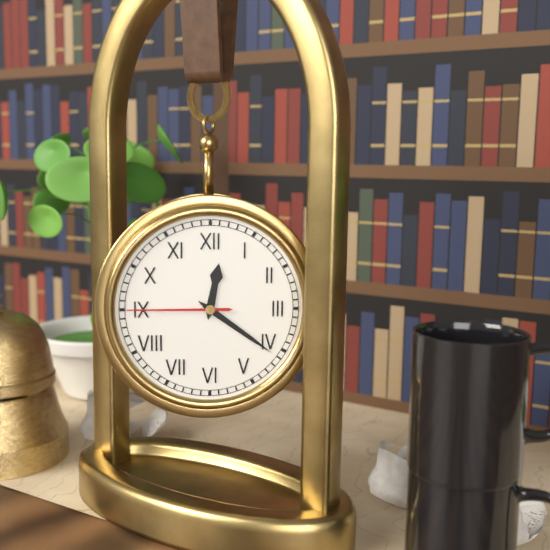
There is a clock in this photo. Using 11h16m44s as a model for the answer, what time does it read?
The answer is 12h21m45s
